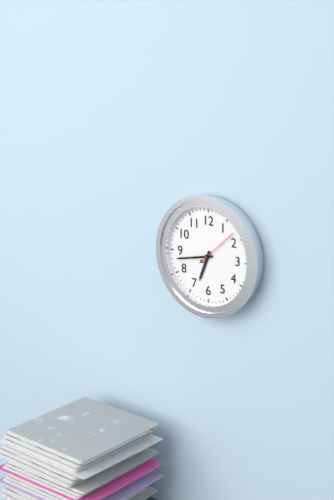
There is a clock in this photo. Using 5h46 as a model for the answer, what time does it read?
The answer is 6h43
